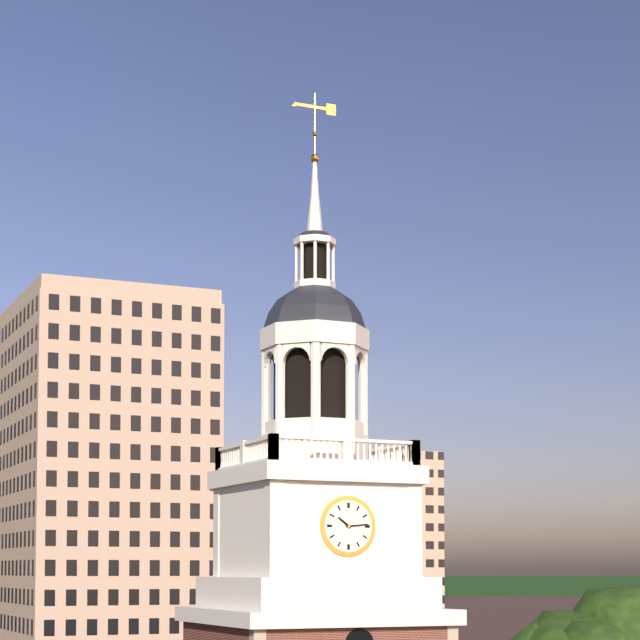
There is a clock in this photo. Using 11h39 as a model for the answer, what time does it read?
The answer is 10h14
